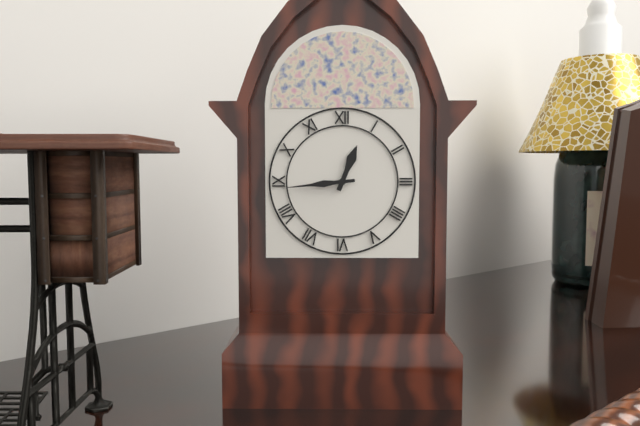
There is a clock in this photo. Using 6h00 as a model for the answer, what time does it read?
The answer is 12h44
